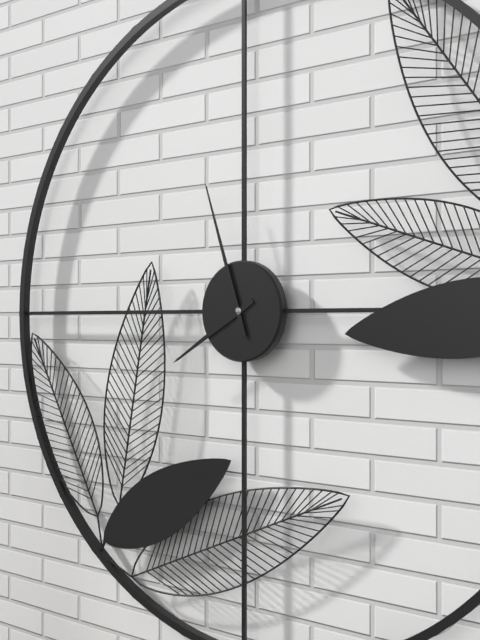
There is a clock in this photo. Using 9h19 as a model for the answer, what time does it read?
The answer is 7h57
